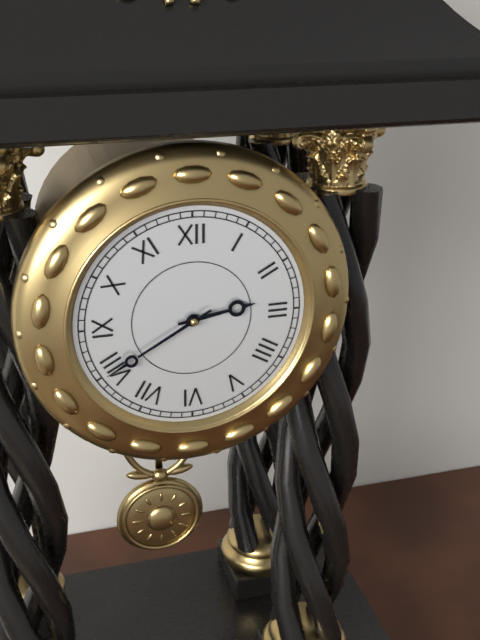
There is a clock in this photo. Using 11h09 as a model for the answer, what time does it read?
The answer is 2h40
